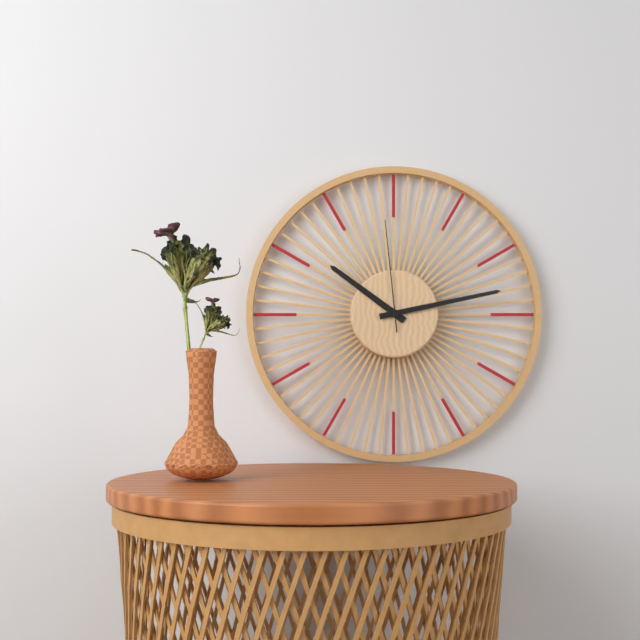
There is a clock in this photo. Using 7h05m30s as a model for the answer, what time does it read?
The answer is 10h13m59s
